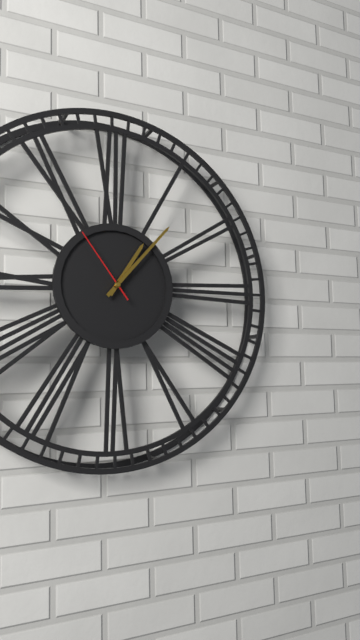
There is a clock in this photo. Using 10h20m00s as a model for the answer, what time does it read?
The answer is 1h07m54s
